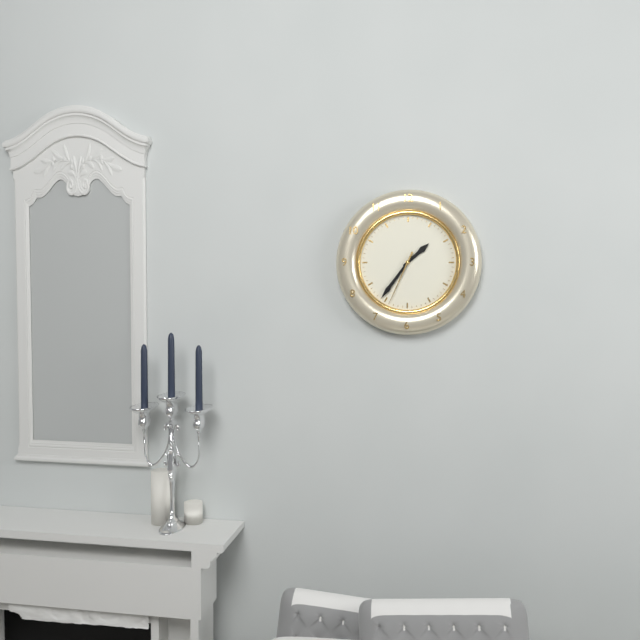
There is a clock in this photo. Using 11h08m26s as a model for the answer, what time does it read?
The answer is 1h36m34s
